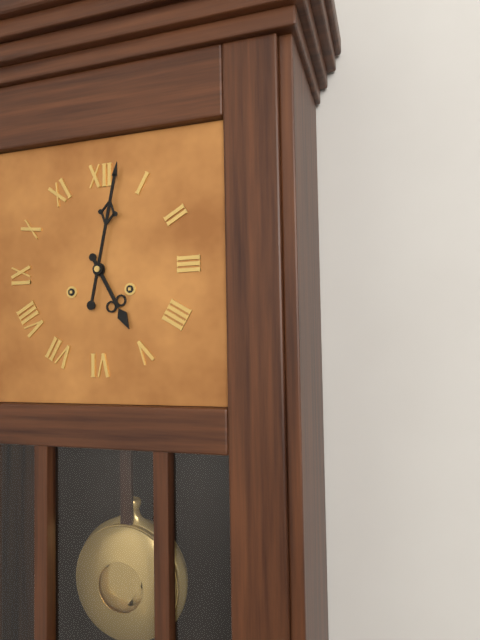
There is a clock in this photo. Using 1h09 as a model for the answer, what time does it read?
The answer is 5h02
